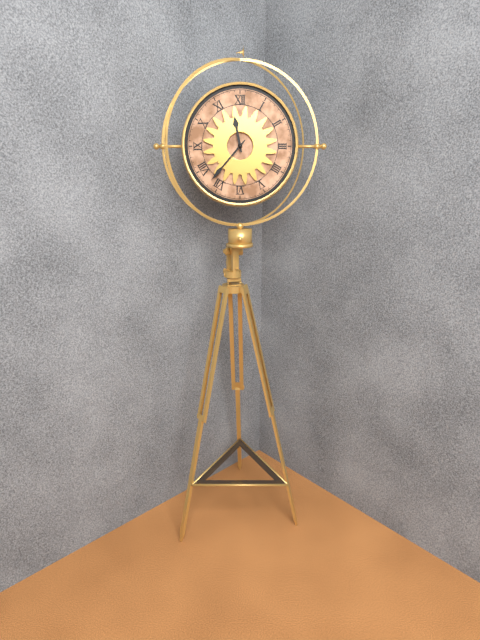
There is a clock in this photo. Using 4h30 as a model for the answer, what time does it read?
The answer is 11h37
